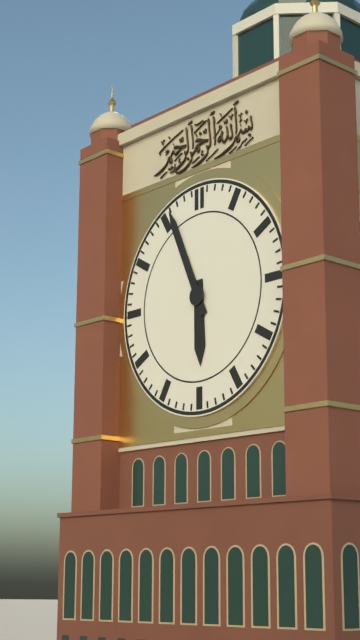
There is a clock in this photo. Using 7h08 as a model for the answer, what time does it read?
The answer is 5h56
